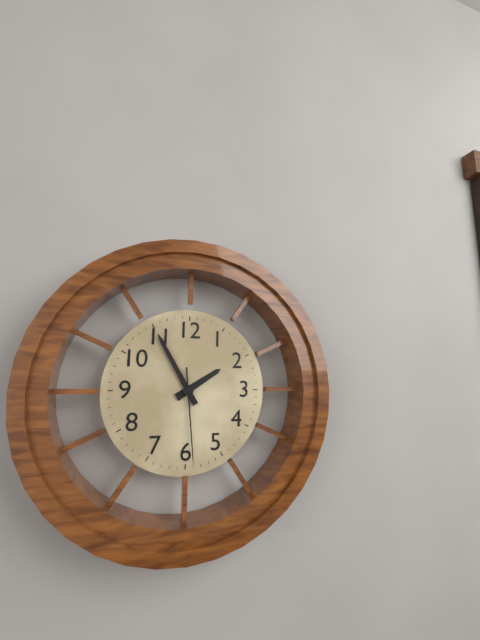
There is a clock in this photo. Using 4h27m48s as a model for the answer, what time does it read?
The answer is 1h55m29s
